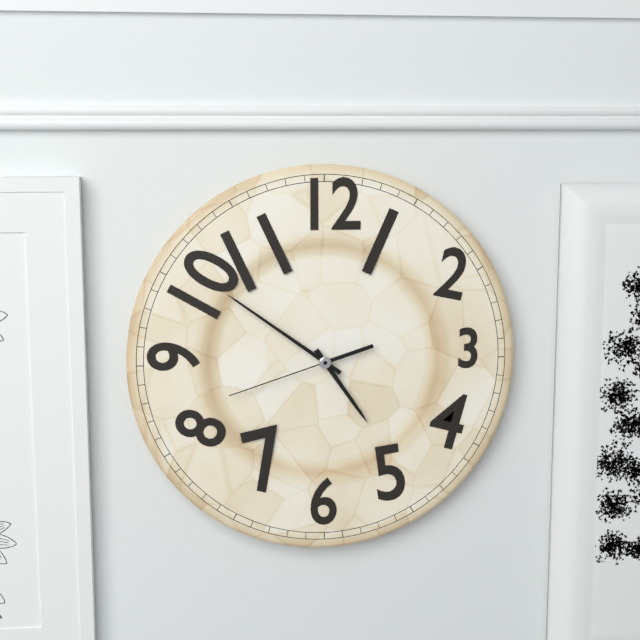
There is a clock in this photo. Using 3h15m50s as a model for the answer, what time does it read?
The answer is 4h51m42s
